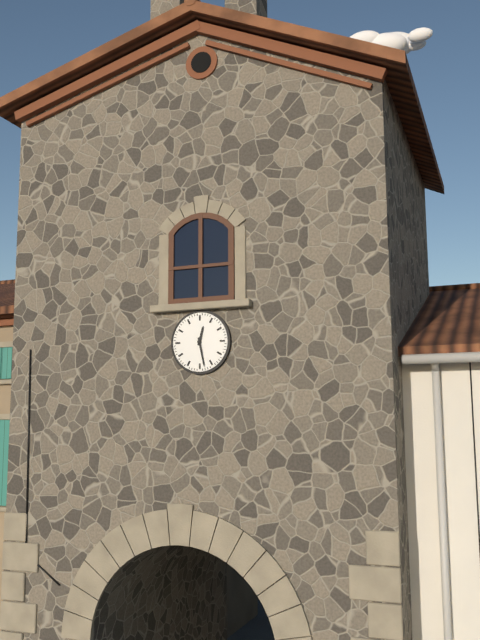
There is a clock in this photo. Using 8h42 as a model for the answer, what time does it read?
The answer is 12h28
